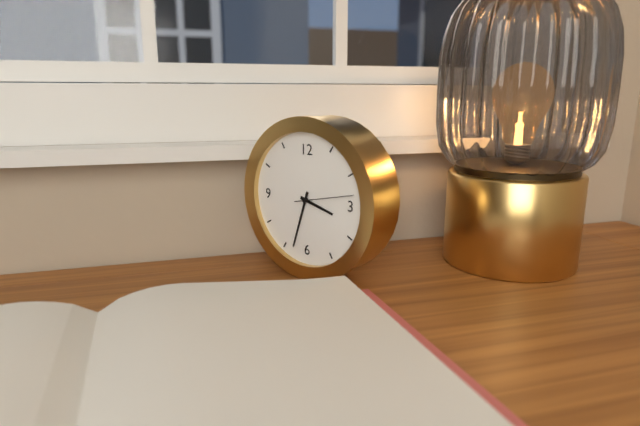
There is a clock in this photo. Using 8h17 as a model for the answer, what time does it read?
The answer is 3h33
